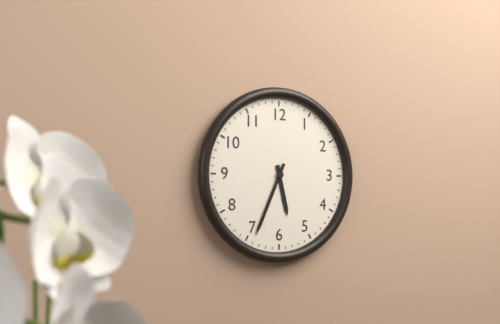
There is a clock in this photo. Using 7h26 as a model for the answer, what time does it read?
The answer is 5h34
